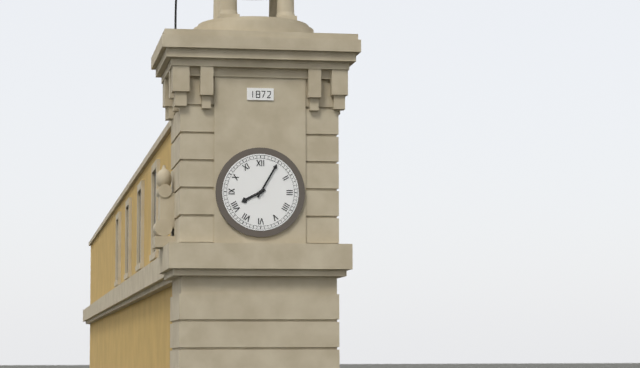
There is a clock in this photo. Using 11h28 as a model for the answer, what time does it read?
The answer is 8h05
